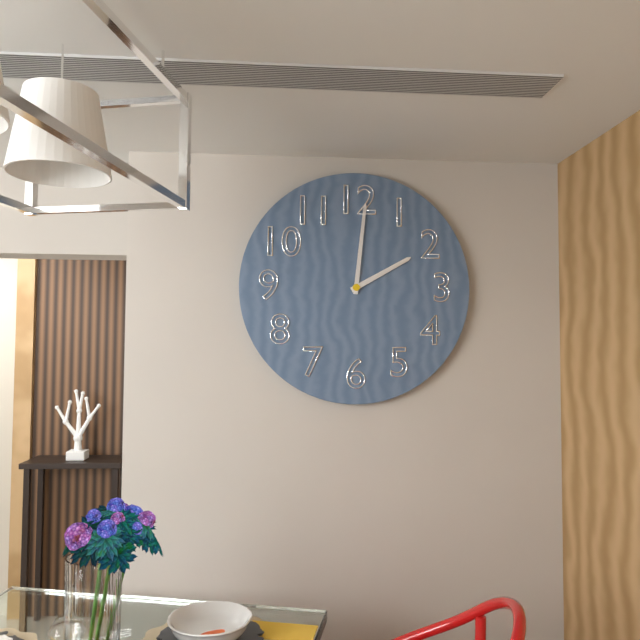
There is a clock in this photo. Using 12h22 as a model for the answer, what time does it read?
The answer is 2h01
